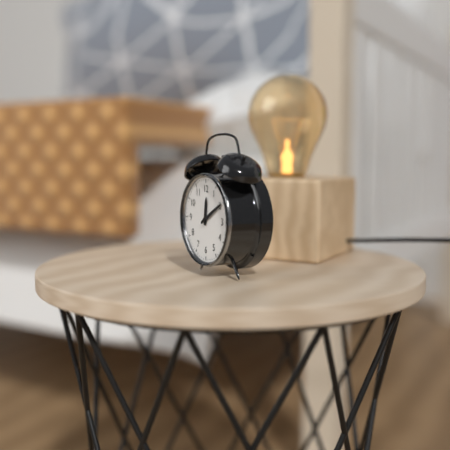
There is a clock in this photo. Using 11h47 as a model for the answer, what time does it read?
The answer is 12h10
